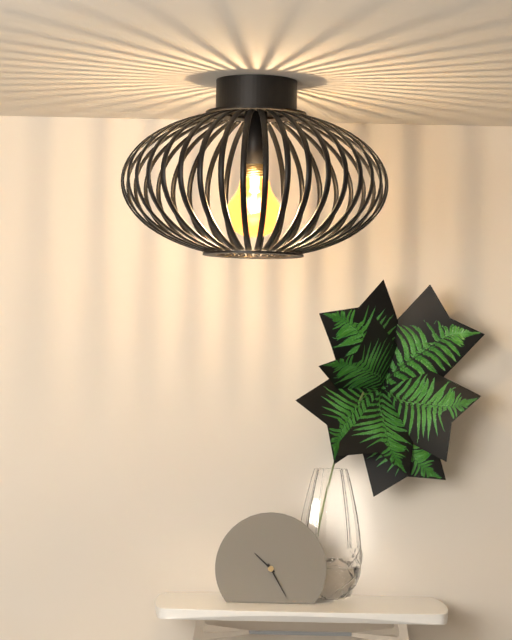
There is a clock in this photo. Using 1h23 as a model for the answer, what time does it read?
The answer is 10h25
